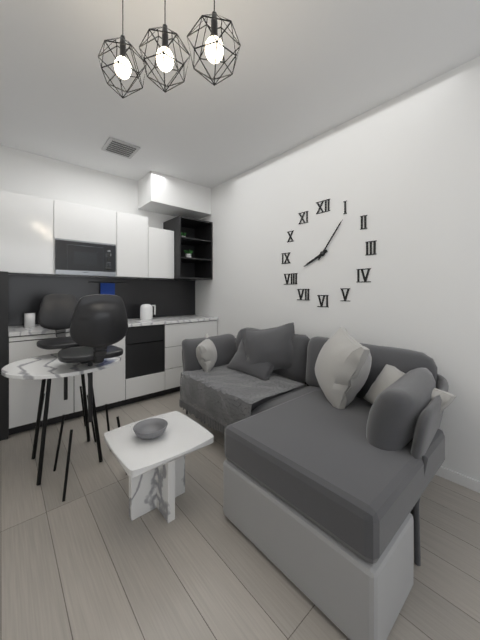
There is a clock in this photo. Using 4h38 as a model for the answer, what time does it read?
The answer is 8h06
